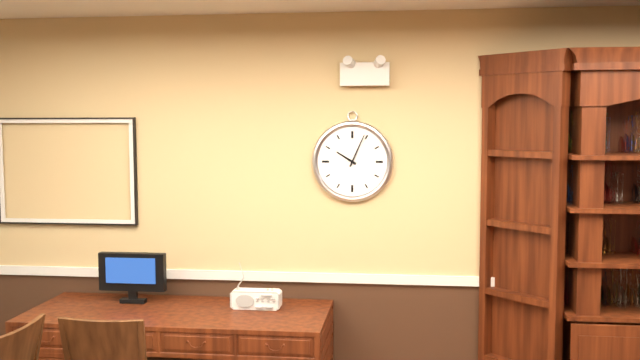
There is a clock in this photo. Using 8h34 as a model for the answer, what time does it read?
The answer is 10h04
